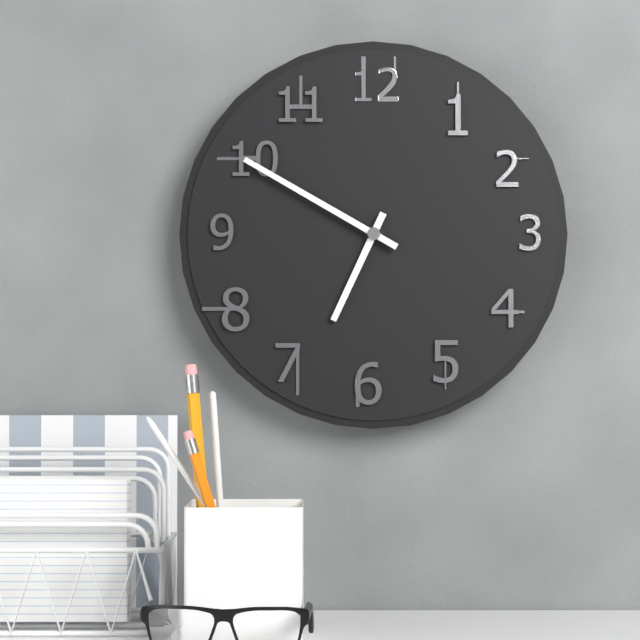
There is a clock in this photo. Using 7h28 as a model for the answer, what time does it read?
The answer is 6h50
